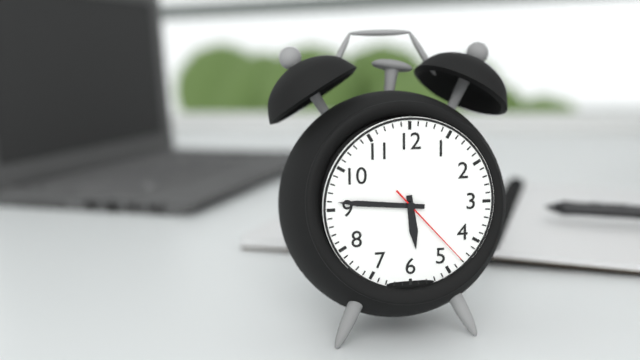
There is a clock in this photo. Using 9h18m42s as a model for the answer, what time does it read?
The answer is 5h46m23s
